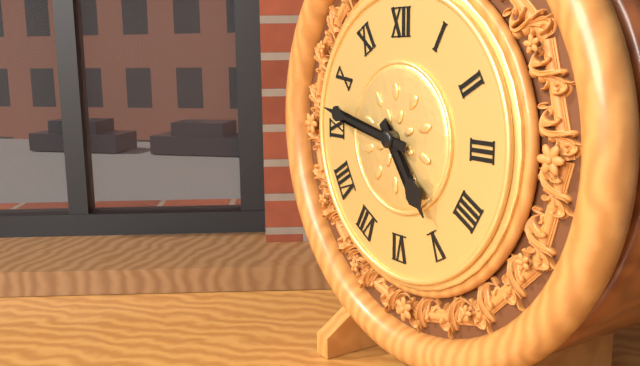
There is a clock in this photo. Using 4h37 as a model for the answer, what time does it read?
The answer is 4h47
